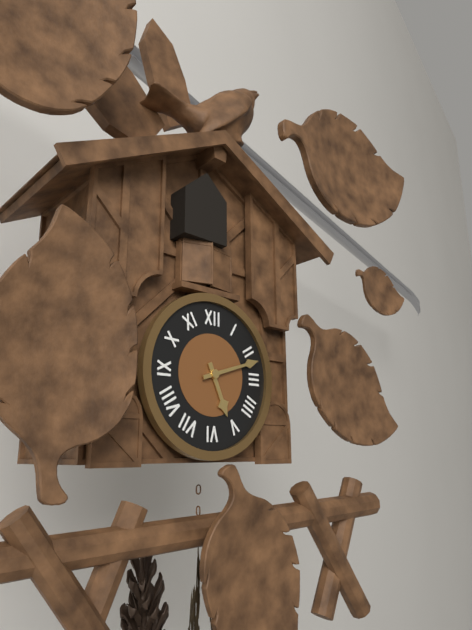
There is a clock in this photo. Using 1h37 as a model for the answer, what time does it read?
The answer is 5h12
